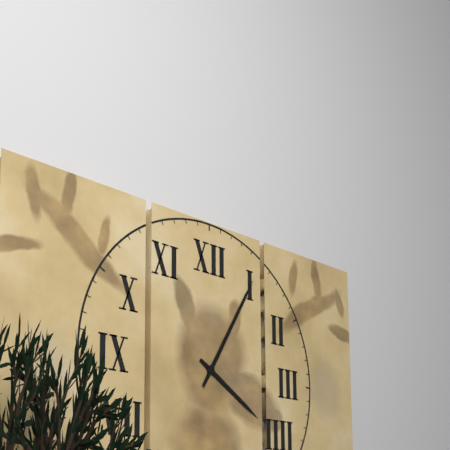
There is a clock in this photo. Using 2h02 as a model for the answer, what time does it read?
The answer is 4h05
